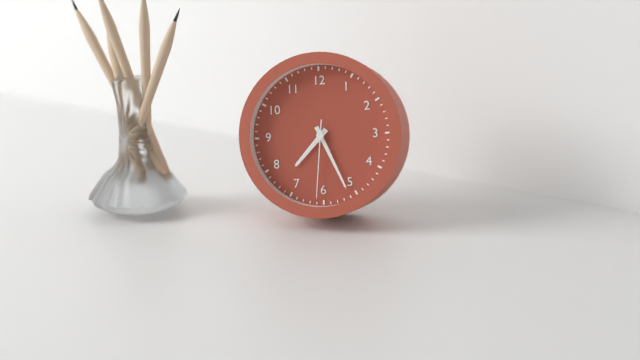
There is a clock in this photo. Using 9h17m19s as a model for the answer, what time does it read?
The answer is 7h26m31s
